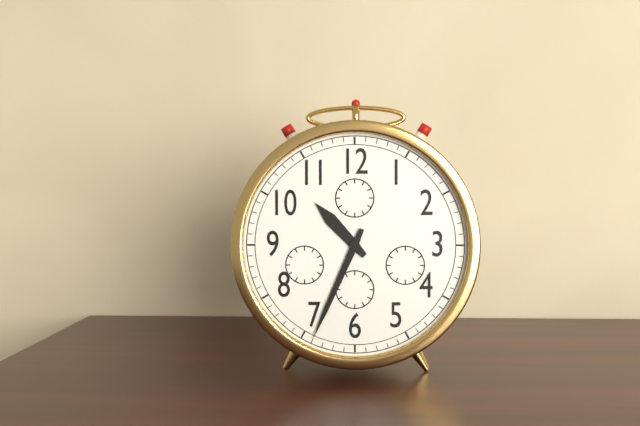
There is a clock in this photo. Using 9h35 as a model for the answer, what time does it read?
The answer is 10h34
